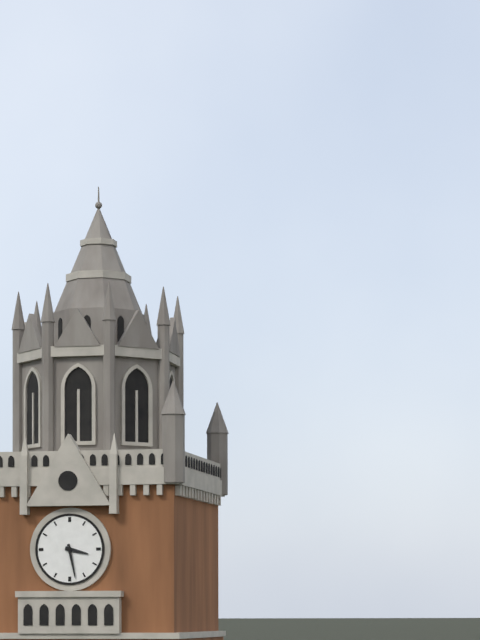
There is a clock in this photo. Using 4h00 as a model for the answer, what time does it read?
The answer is 3h28
